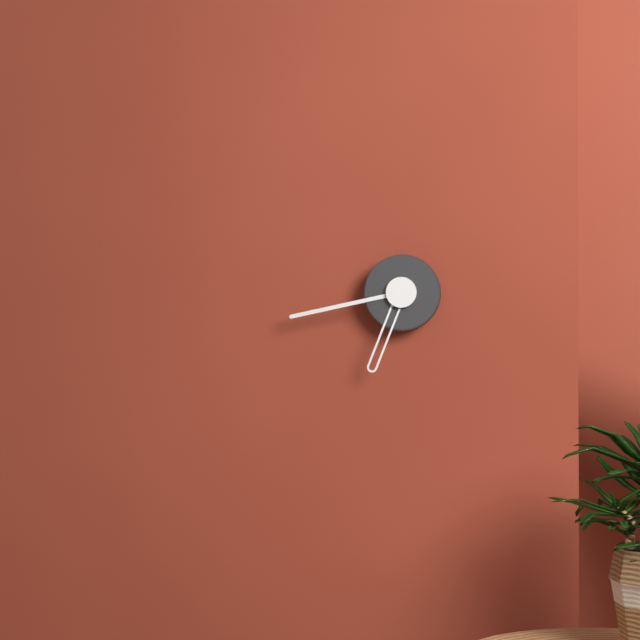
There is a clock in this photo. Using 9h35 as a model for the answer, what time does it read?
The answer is 6h43
